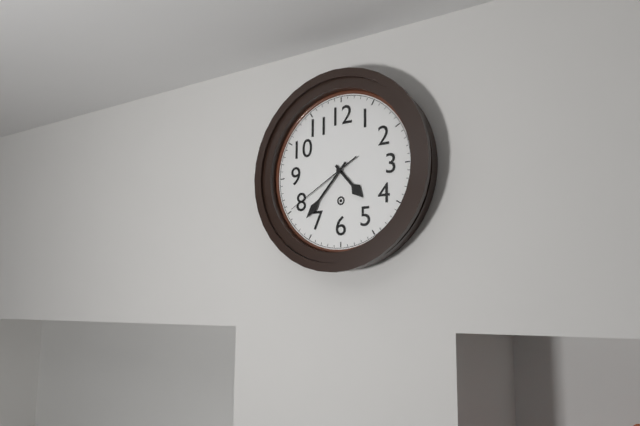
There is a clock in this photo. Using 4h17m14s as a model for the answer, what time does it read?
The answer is 4h37m40s
